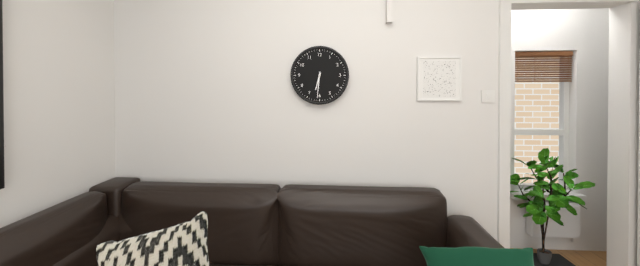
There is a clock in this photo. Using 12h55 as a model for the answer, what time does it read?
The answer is 6h31
